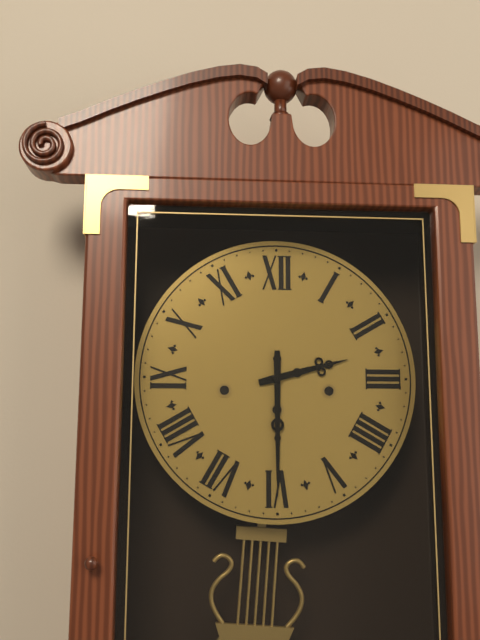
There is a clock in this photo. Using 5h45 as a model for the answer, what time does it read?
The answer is 2h30
